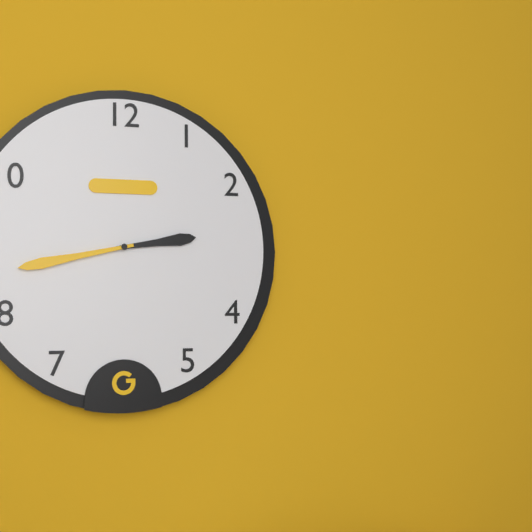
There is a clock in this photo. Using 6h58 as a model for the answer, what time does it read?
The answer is 2h43
